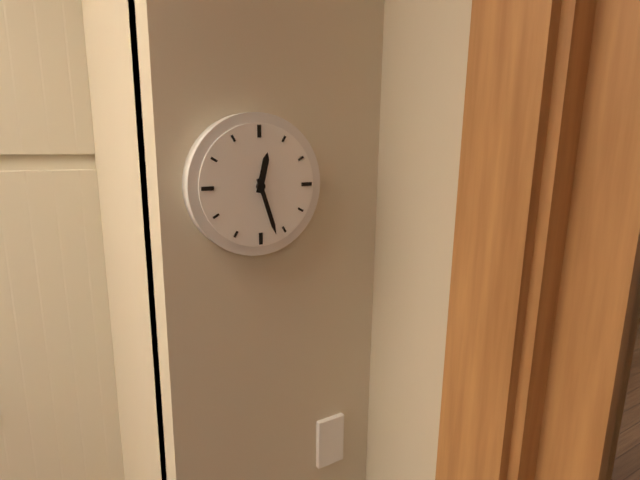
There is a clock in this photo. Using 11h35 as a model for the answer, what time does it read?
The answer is 12h27
